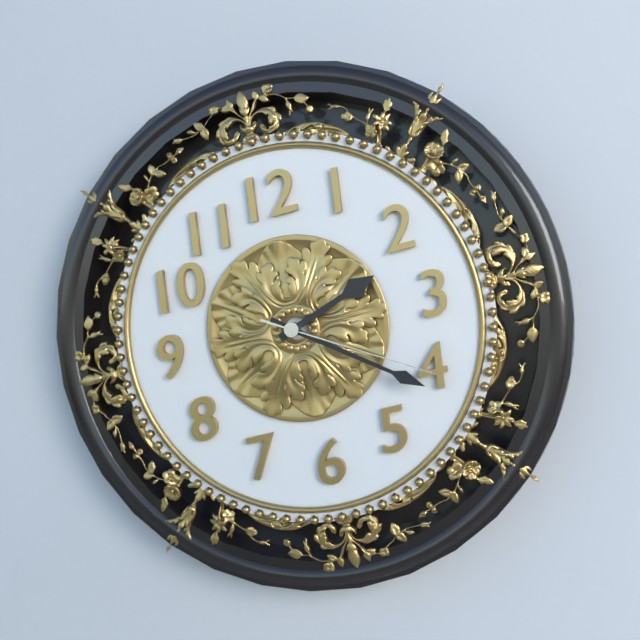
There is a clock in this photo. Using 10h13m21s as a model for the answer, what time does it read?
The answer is 2h21m20s
